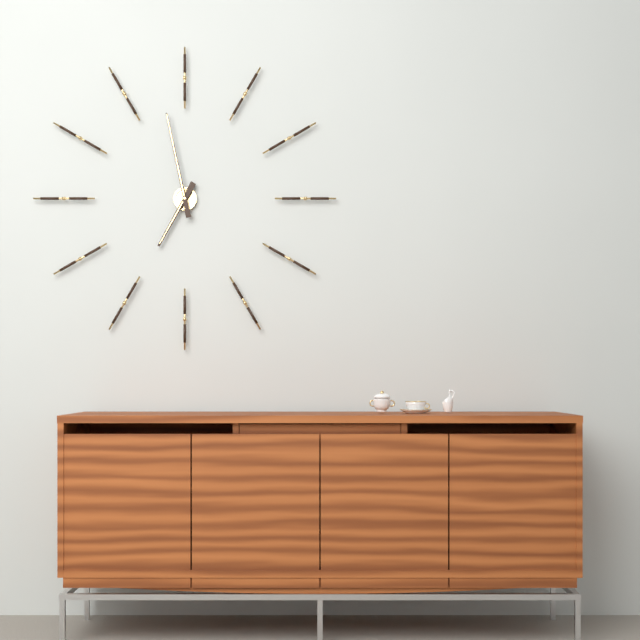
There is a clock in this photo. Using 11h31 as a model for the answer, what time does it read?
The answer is 6h58
